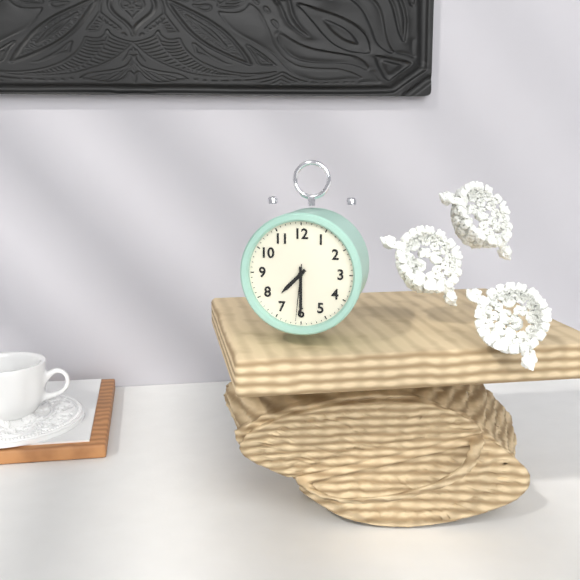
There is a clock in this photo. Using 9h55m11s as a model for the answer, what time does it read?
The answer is 7h30m31s
